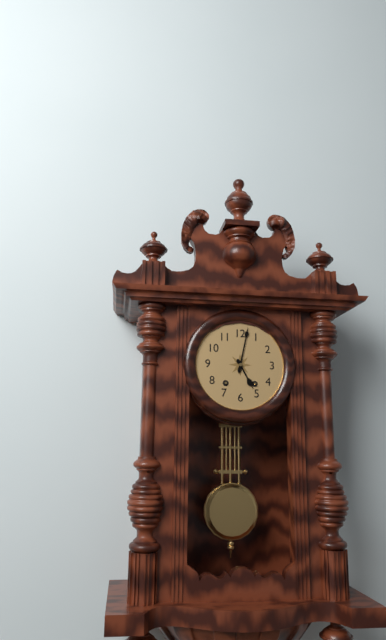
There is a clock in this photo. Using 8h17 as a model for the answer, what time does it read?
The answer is 5h02
